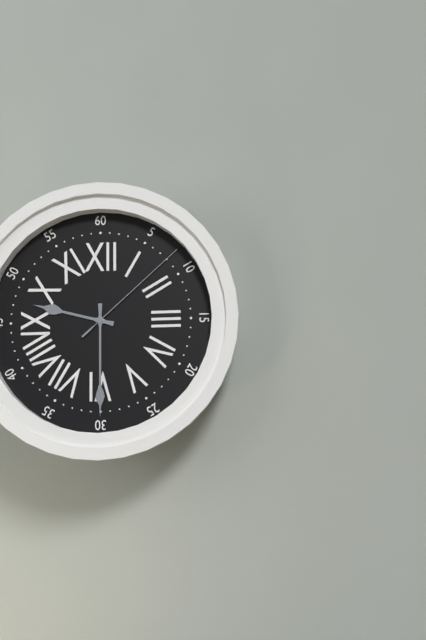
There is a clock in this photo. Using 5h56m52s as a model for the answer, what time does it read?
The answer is 9h30m08s
